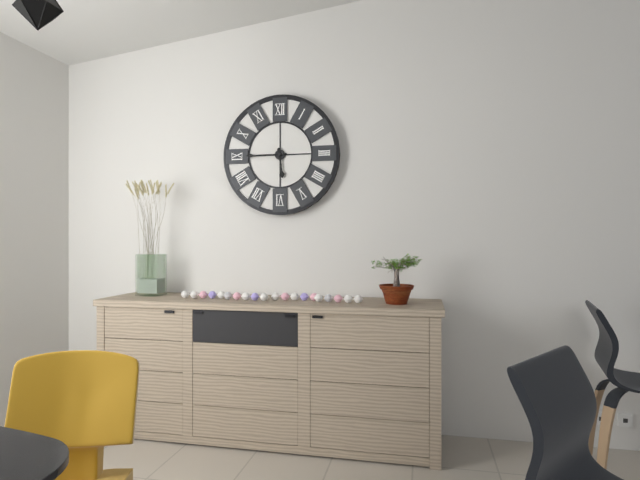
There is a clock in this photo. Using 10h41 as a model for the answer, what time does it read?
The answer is 5h45
